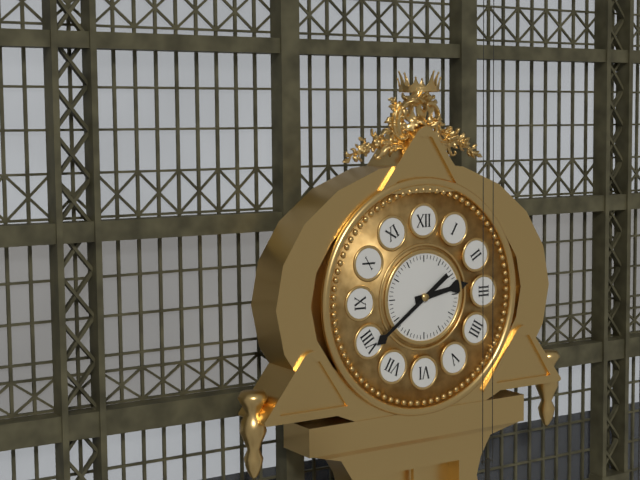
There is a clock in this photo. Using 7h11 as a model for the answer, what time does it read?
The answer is 2h39
